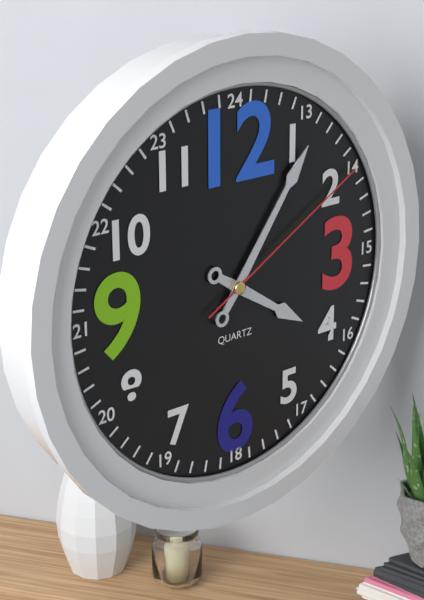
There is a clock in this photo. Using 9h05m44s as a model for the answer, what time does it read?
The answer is 4h06m10s
